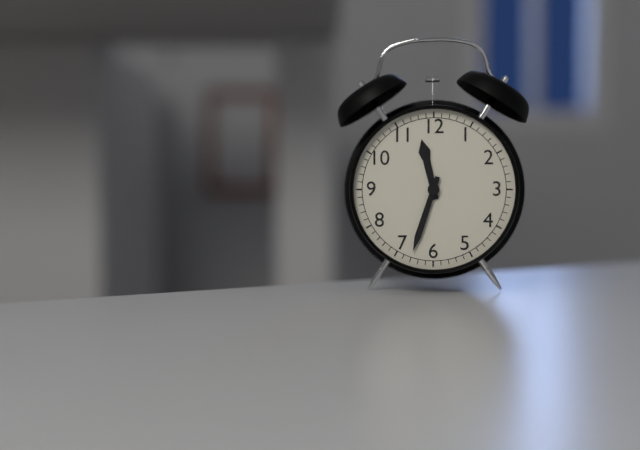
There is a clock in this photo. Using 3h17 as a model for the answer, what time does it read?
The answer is 11h33
